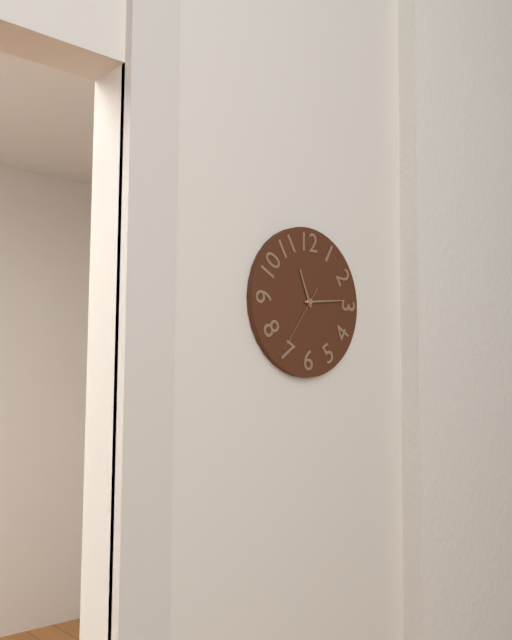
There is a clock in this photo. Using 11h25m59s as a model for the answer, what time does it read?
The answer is 11h14m36s
